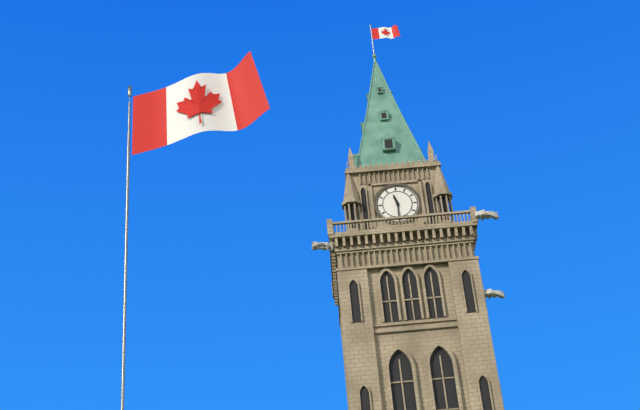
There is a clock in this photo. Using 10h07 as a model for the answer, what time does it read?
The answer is 11h30
